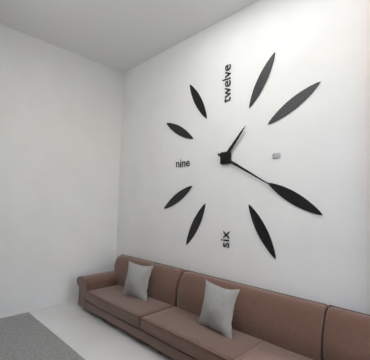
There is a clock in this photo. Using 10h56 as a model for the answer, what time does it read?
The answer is 1h20
